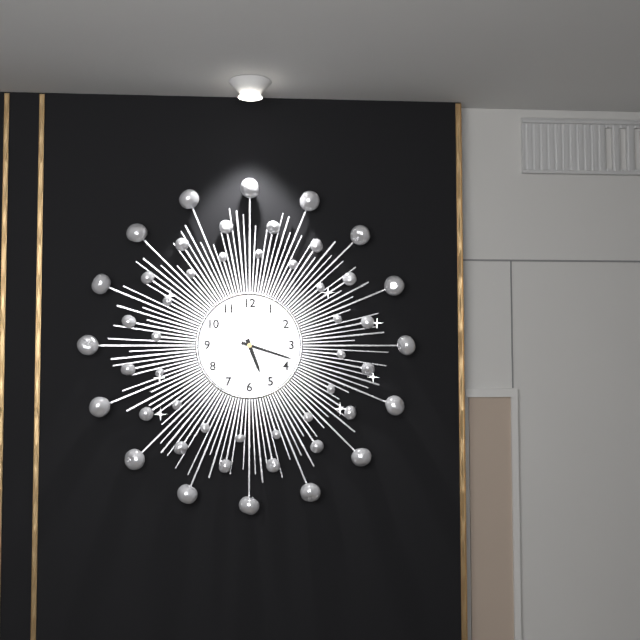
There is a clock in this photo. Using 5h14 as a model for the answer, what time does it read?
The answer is 5h18
